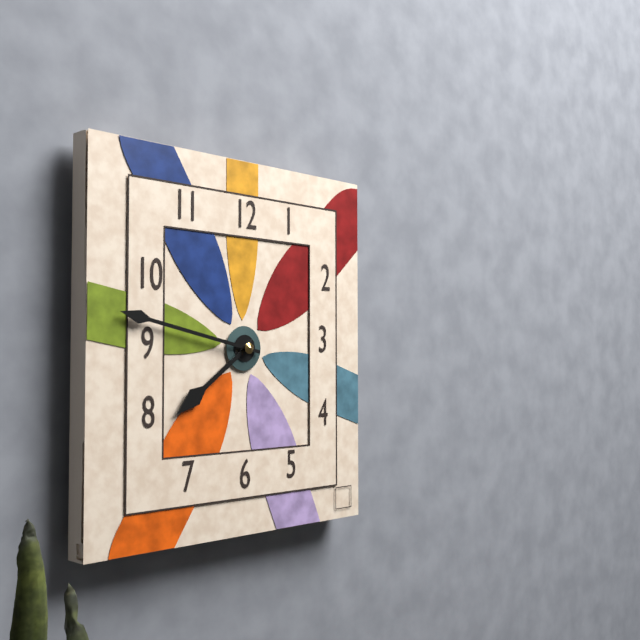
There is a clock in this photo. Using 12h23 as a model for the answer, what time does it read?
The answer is 7h47
